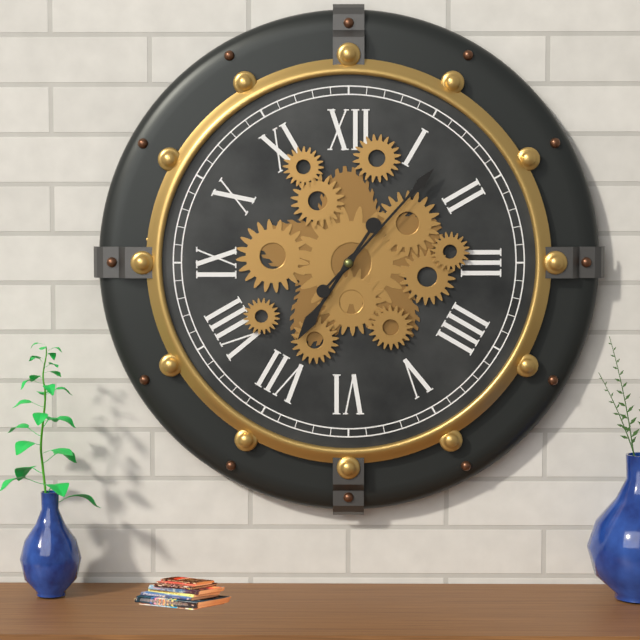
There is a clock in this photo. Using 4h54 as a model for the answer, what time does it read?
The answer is 7h07
